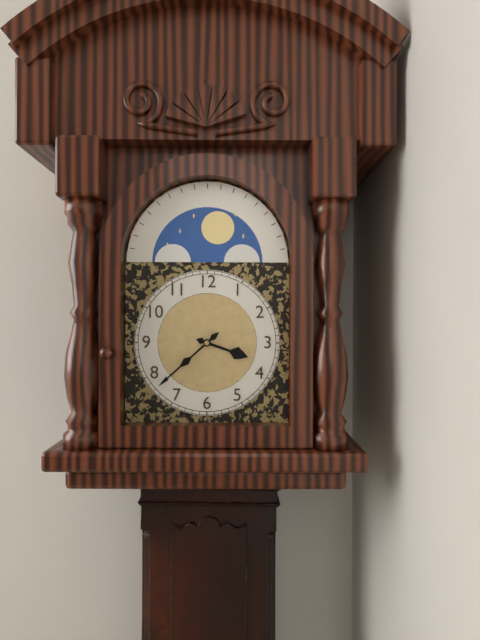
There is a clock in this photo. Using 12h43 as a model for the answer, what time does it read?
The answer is 3h38
